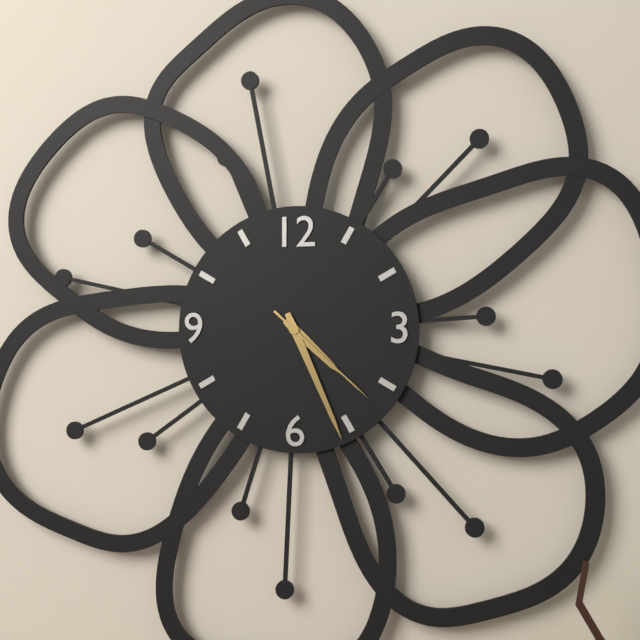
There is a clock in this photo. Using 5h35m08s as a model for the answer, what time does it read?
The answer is 4h26m22s
